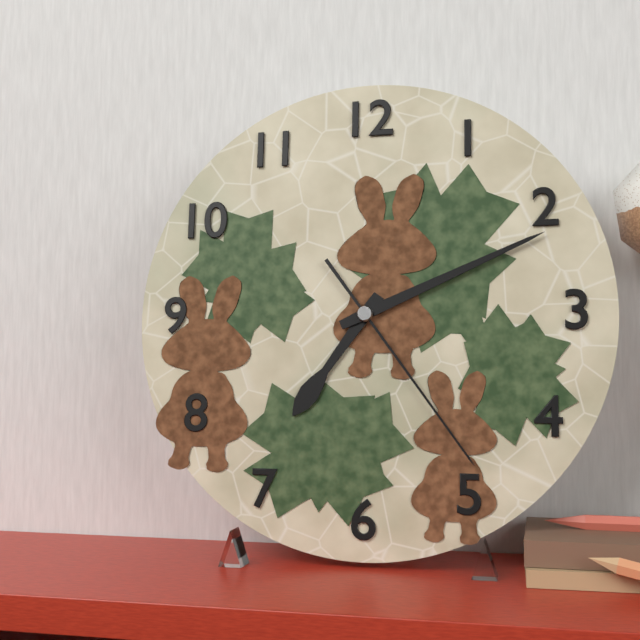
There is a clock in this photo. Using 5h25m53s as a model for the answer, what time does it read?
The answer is 7h11m24s
